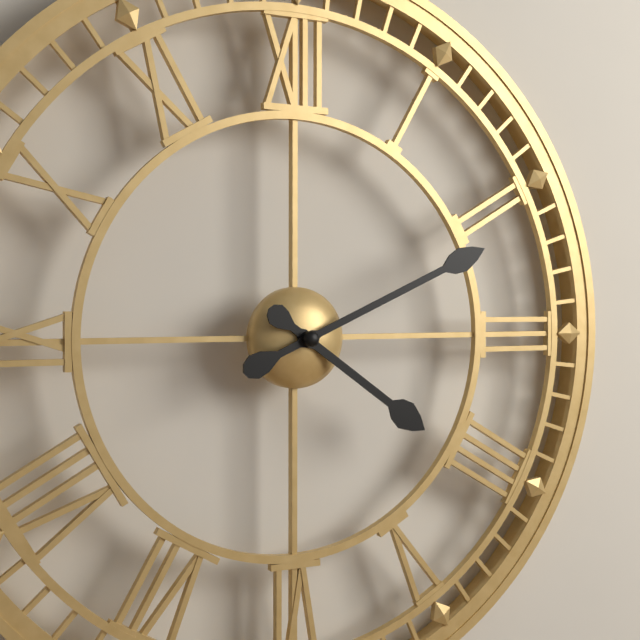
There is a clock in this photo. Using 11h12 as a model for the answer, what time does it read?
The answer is 4h11
